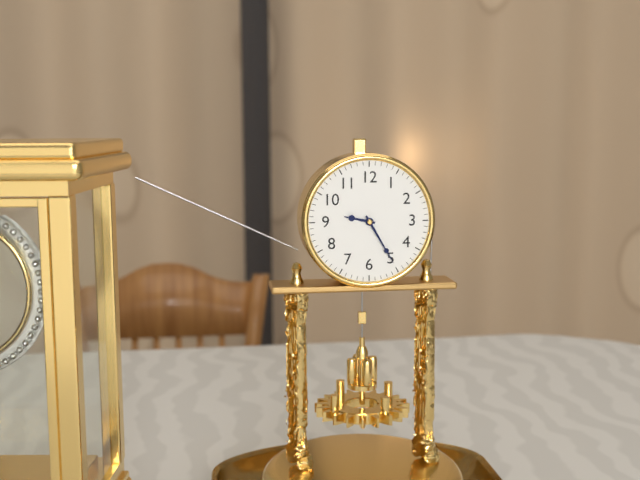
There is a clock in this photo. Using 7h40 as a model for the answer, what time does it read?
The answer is 9h25
